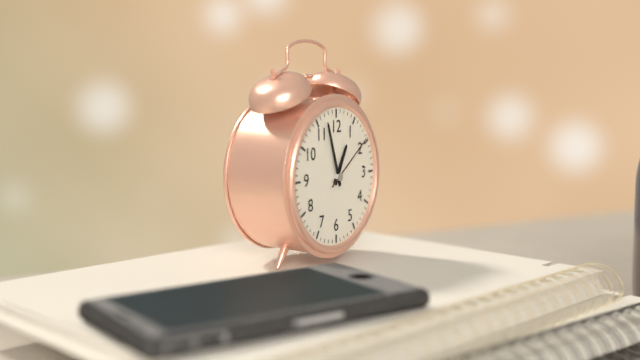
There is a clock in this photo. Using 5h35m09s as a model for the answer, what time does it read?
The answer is 12h57m09s
